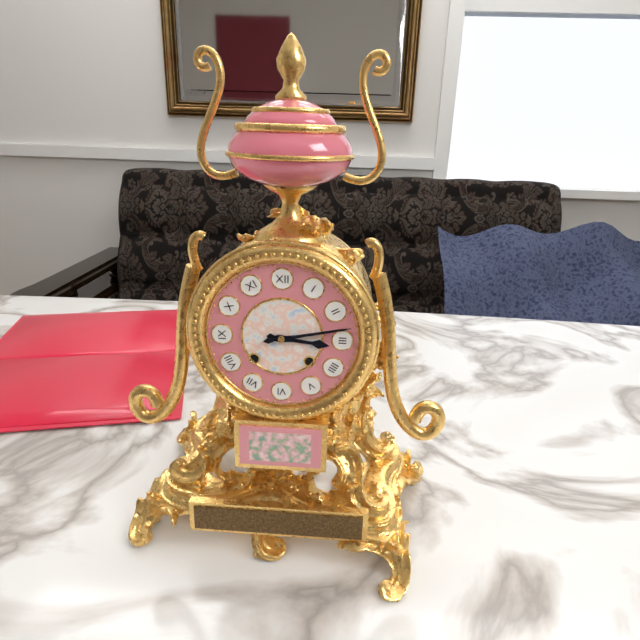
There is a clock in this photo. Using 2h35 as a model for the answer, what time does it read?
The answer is 3h13
